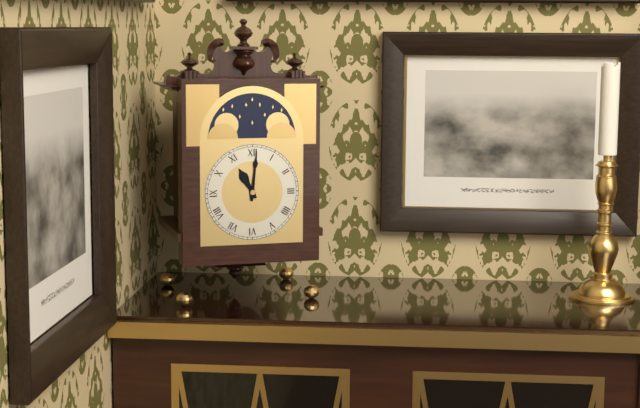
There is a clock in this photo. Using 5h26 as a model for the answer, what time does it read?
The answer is 11h01
